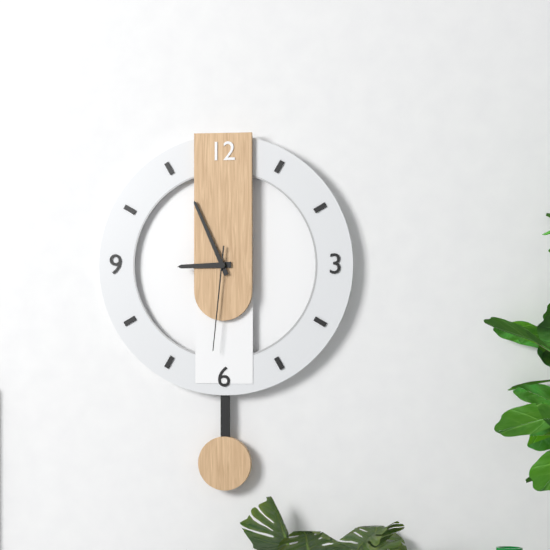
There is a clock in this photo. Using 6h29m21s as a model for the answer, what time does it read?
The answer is 8h56m31s
